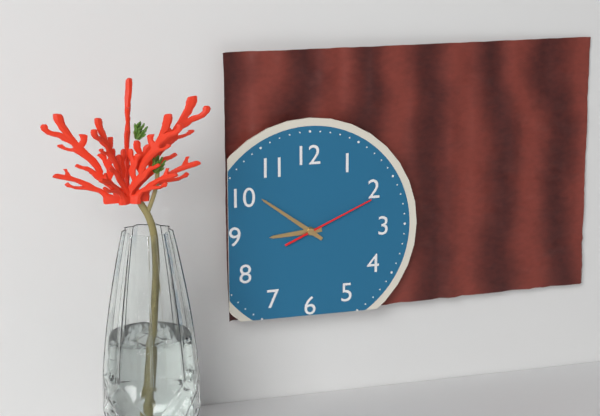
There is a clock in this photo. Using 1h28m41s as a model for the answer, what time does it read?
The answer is 8h51m11s
